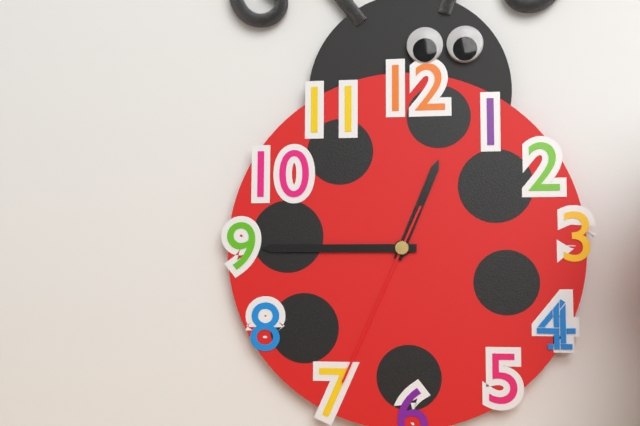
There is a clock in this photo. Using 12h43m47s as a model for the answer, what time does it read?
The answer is 12h45m34s
